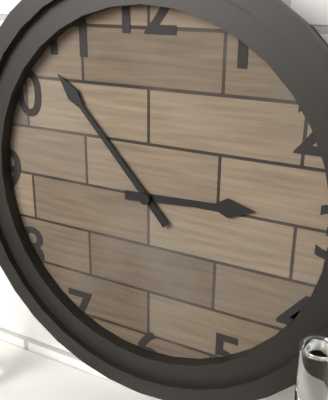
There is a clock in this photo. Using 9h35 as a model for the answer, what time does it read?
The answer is 2h53
